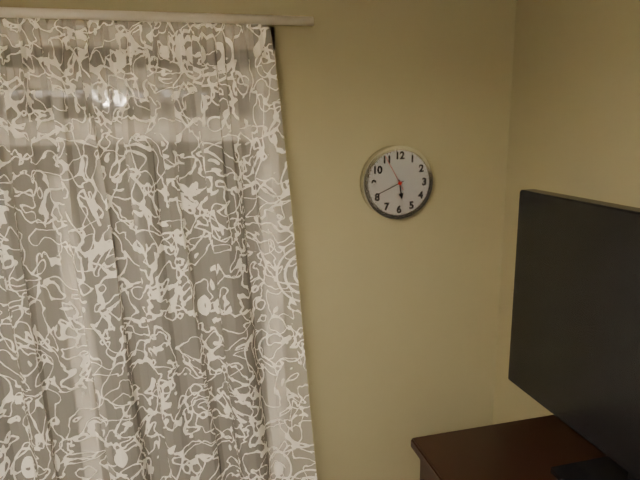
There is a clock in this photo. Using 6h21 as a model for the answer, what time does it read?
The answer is 5h41
